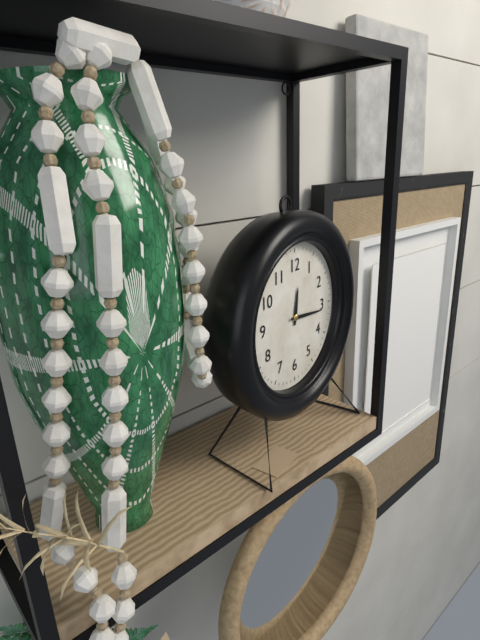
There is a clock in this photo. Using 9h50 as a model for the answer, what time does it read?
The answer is 12h16
